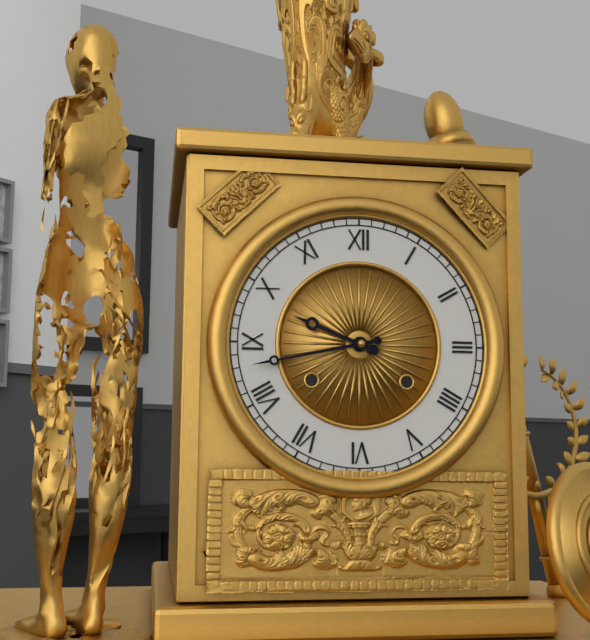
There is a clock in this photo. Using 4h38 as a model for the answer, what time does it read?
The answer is 9h43
